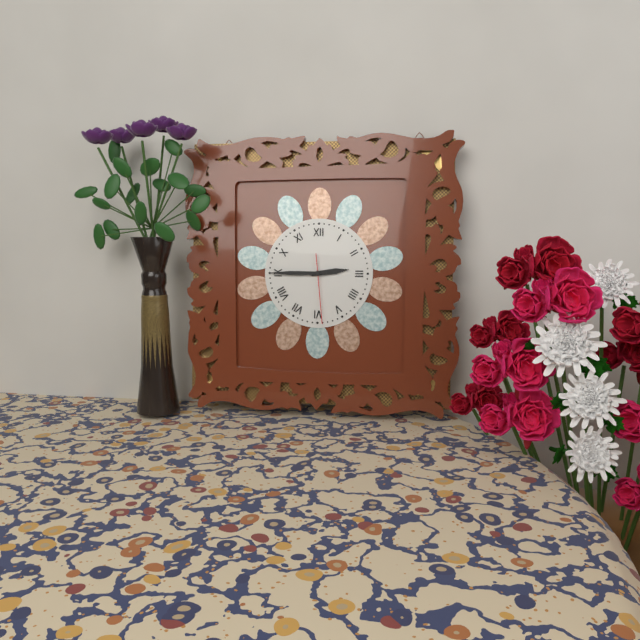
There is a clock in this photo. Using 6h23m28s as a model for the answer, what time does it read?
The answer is 2h45m29s
